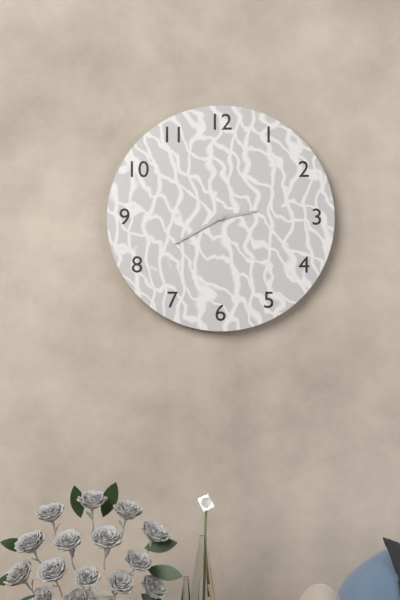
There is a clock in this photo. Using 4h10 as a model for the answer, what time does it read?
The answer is 2h40
